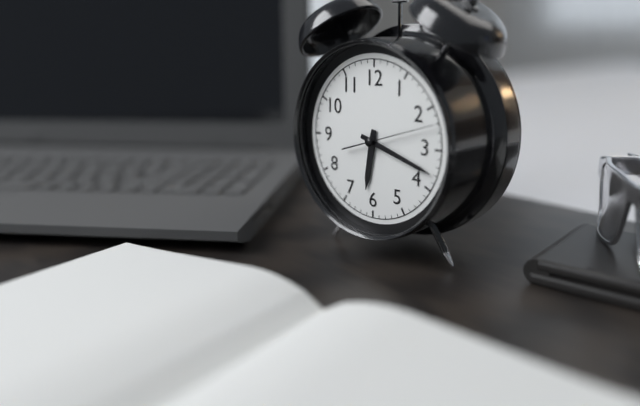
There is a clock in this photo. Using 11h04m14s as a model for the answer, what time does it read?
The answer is 6h18m12s
